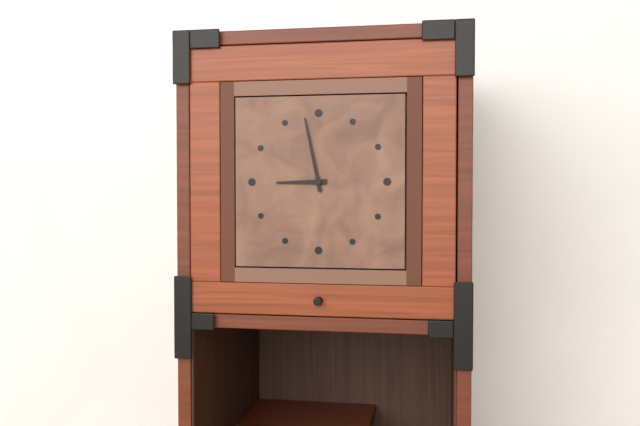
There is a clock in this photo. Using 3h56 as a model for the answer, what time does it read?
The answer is 8h58
